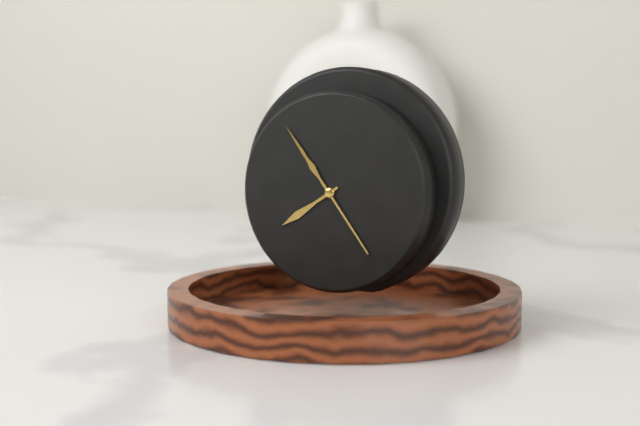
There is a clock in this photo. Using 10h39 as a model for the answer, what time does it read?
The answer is 7h54
